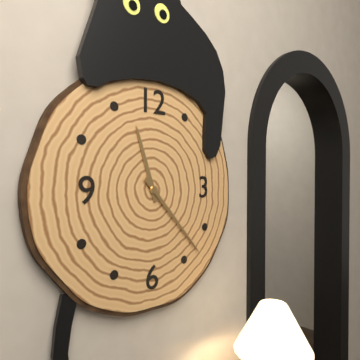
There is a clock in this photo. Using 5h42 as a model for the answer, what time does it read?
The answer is 11h23
